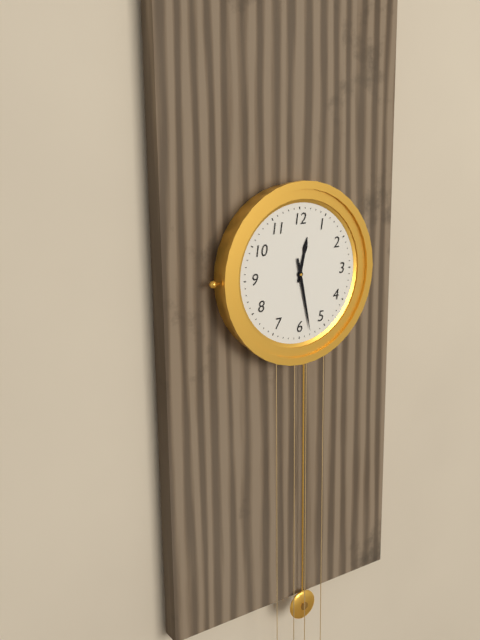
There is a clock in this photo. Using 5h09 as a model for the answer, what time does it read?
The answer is 12h28
